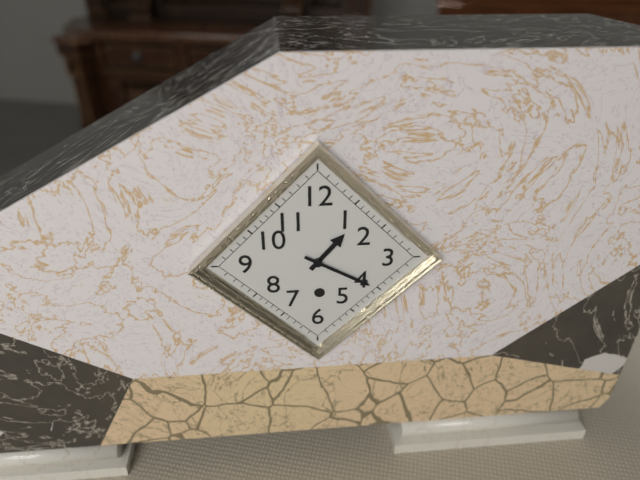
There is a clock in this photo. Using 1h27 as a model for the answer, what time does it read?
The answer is 1h20
